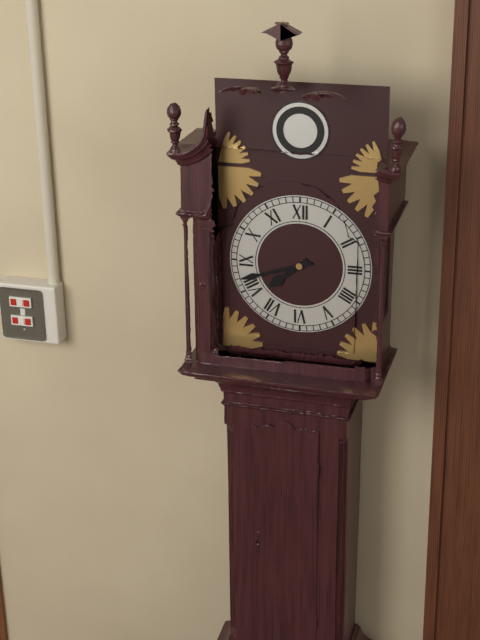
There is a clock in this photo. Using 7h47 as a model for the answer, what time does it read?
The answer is 7h42
